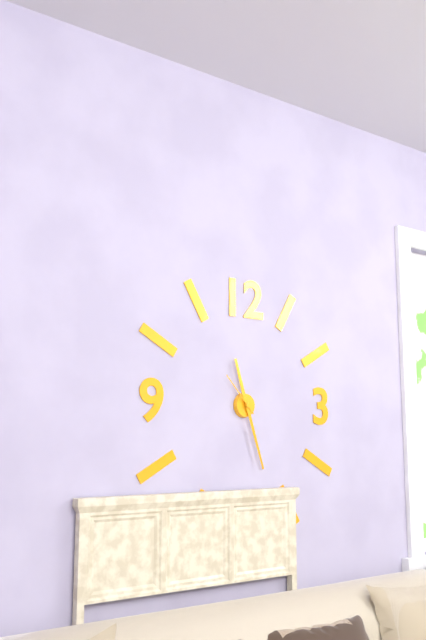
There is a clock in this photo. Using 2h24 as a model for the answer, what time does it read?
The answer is 11h27
